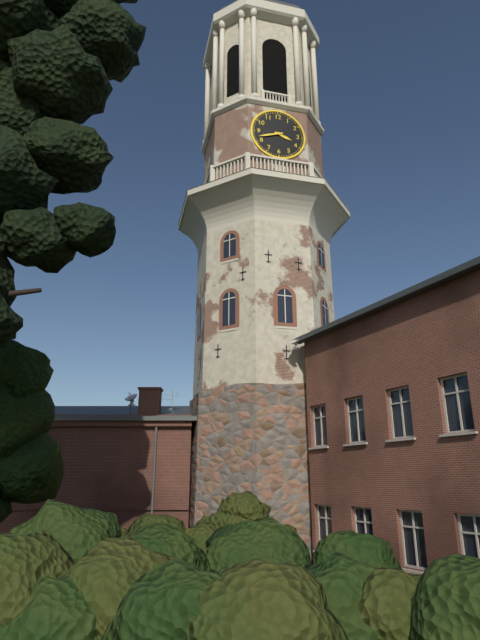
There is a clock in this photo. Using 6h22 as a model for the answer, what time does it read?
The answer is 3h42
